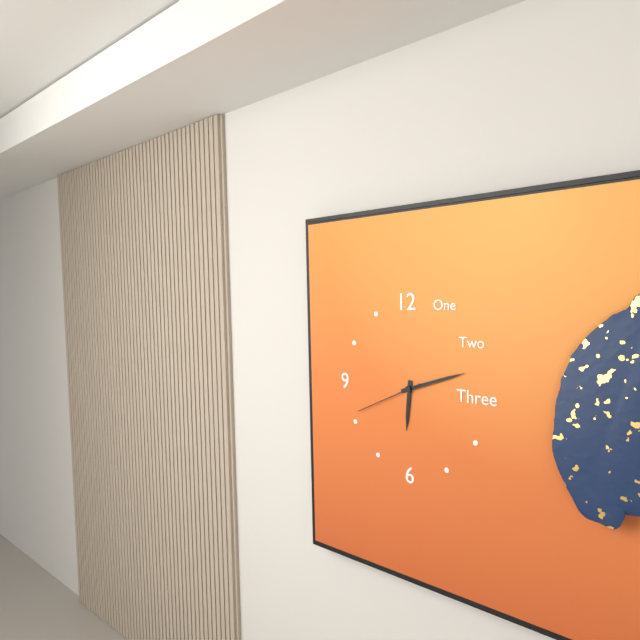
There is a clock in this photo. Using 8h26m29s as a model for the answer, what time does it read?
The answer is 6h12m41s
